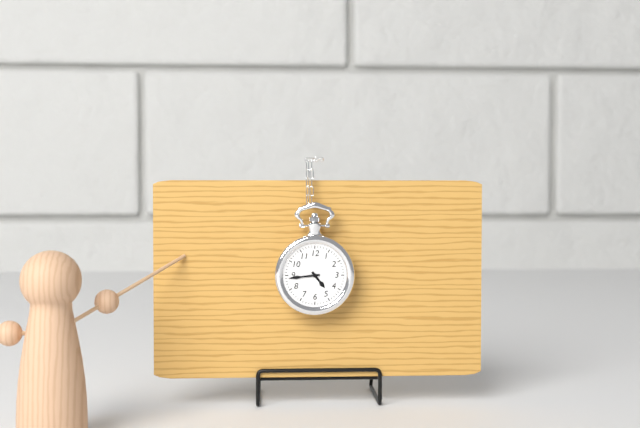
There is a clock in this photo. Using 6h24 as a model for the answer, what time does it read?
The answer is 4h44
